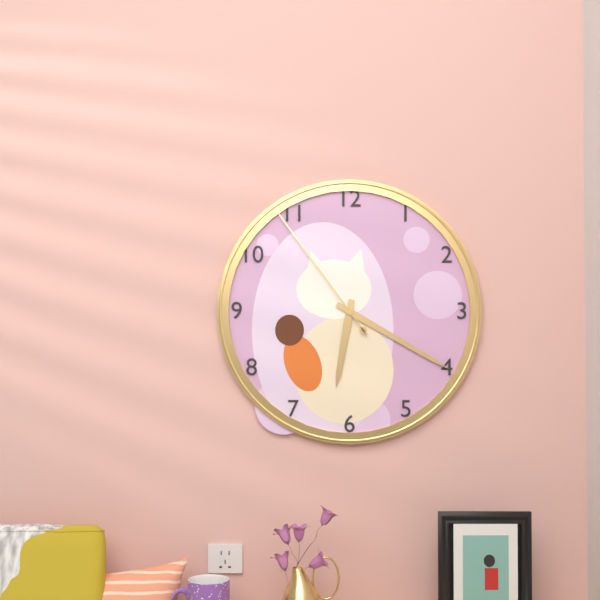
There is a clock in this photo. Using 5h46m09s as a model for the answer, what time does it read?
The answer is 6h20m54s
